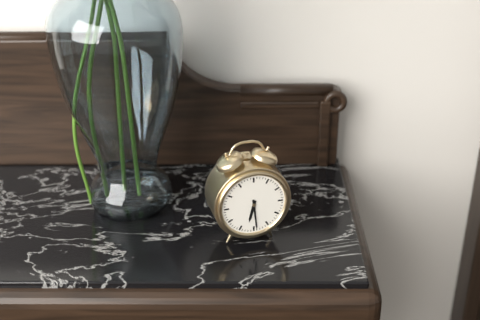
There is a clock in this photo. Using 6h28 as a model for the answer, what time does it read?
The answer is 6h29
